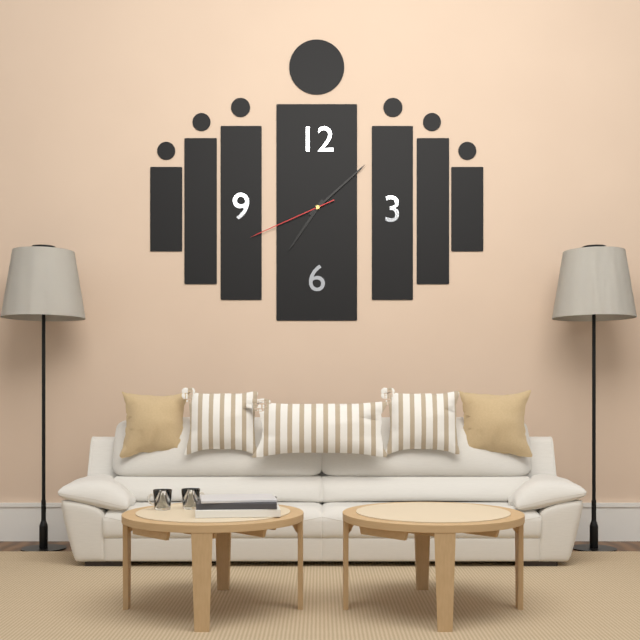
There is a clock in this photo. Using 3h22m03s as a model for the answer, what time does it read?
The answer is 7h08m41s
